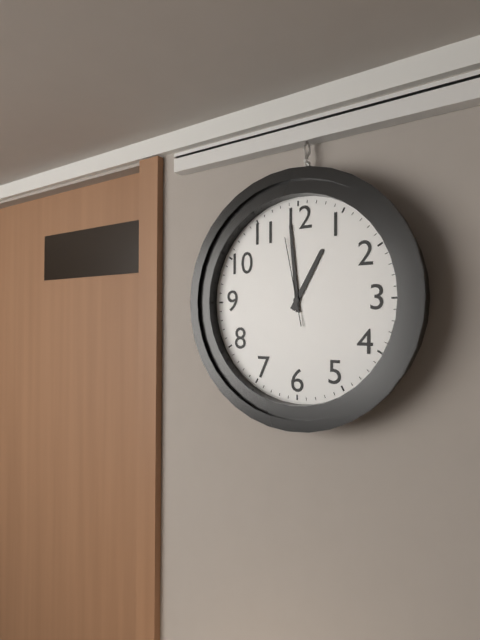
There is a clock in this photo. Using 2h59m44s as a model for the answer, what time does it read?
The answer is 12h59m58s
